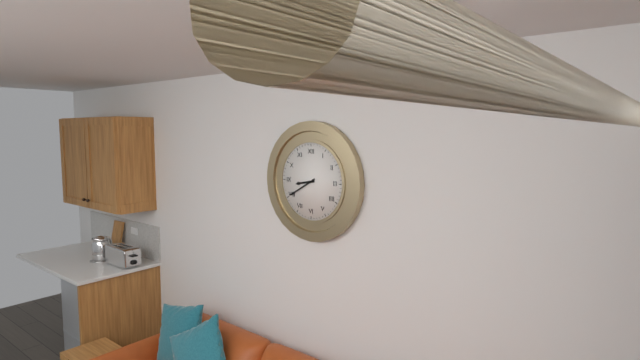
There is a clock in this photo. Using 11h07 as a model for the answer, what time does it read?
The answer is 8h40
